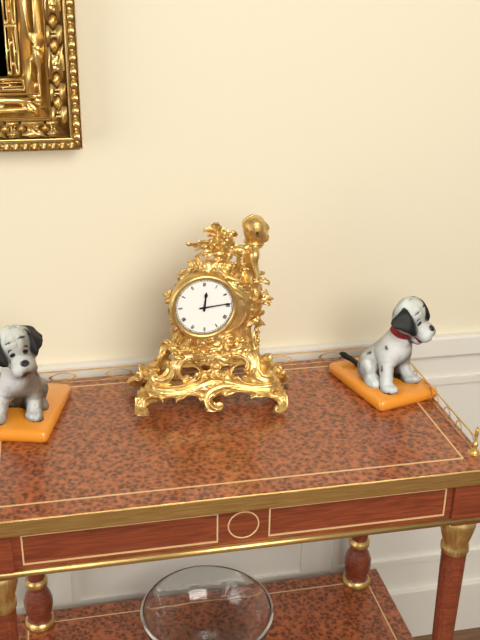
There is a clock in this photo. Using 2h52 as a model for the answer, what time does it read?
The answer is 12h14
